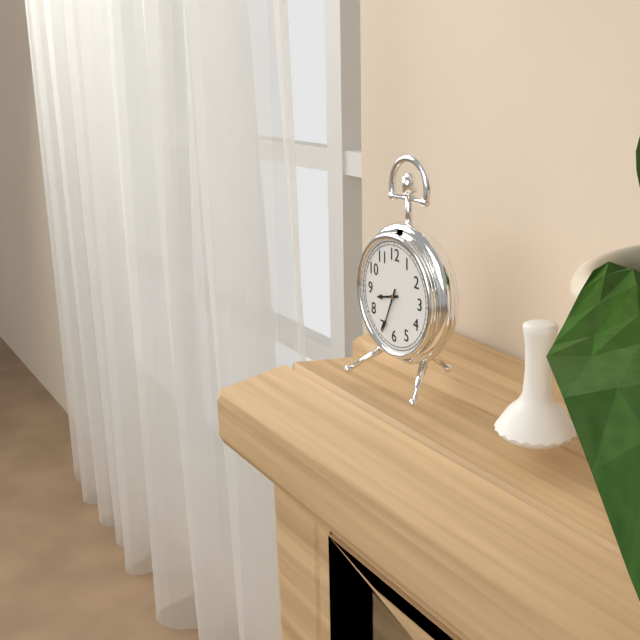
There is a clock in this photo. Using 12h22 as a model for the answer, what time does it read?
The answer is 8h34
